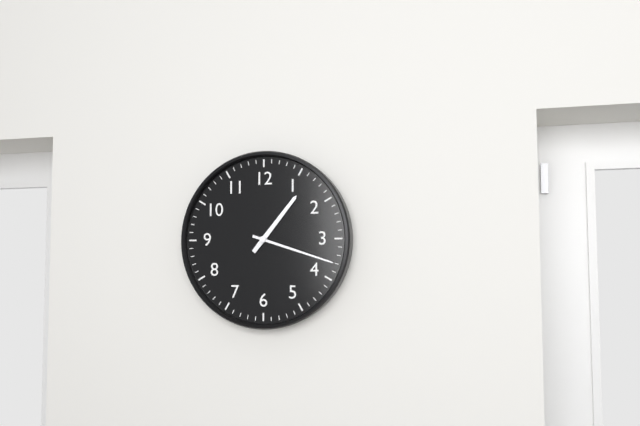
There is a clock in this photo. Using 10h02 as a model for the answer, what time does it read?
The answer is 1h18
